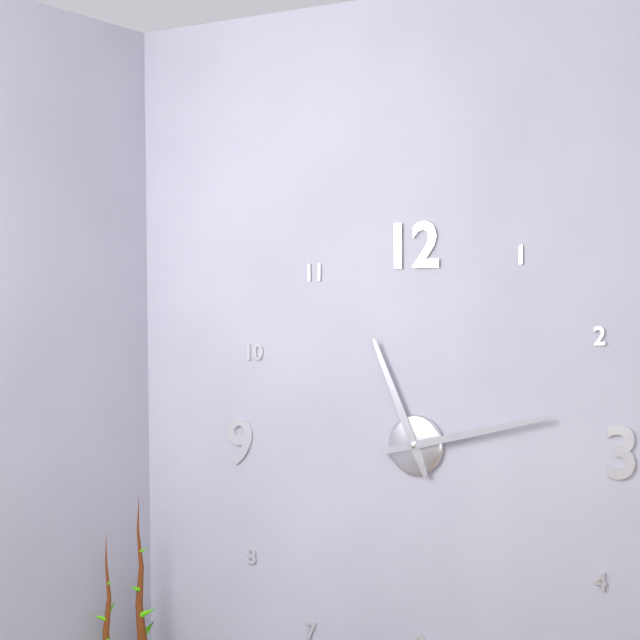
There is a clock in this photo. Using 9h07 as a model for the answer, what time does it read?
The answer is 11h13
